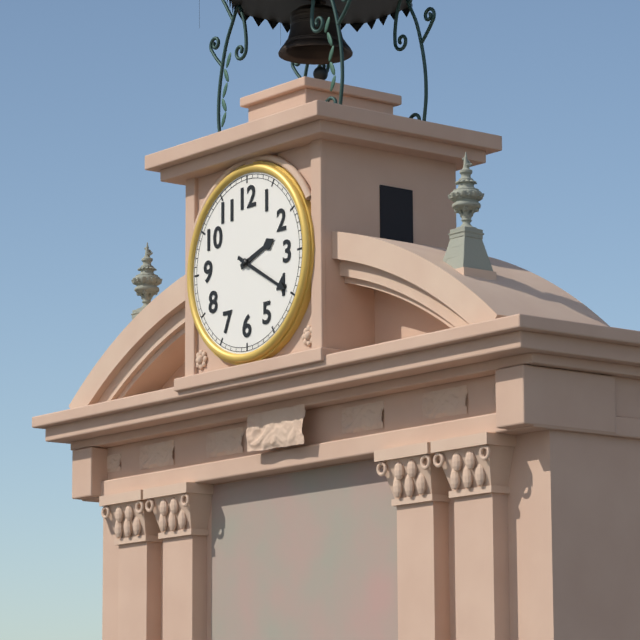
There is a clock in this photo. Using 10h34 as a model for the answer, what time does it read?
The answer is 2h20
